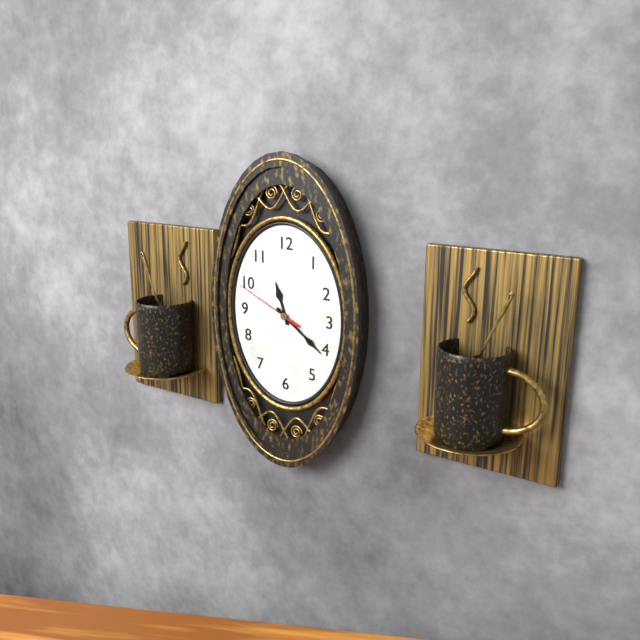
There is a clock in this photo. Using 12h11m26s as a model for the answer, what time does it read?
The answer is 11h21m49s
